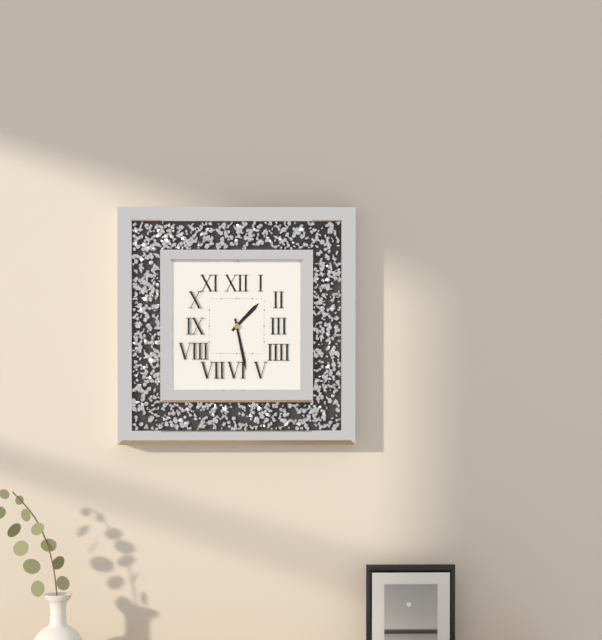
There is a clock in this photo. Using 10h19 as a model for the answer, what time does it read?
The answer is 1h28
